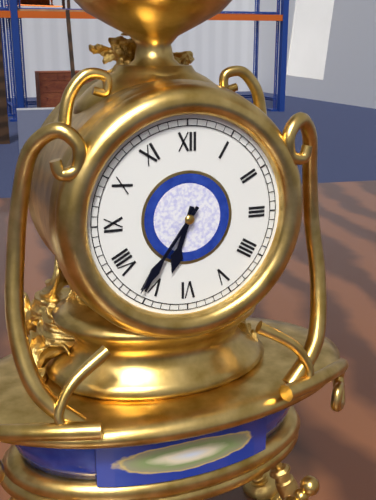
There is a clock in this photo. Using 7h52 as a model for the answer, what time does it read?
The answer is 6h36
